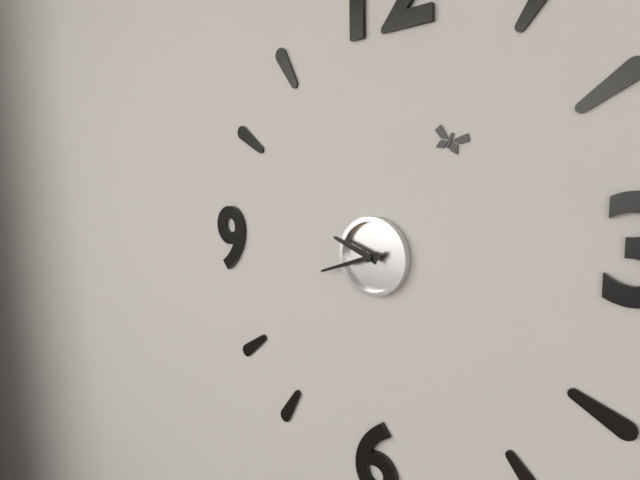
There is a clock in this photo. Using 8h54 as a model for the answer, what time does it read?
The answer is 9h42
